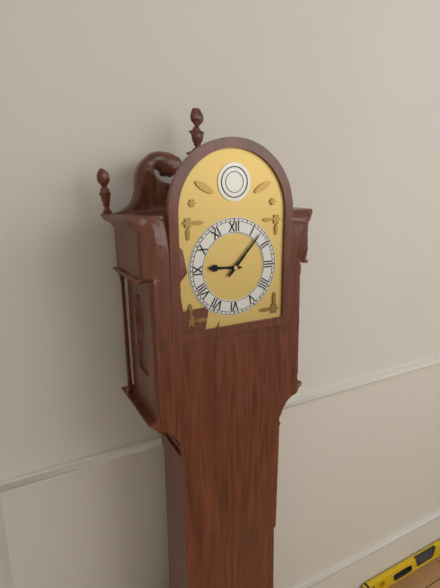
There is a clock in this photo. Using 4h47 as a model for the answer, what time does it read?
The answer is 9h07
